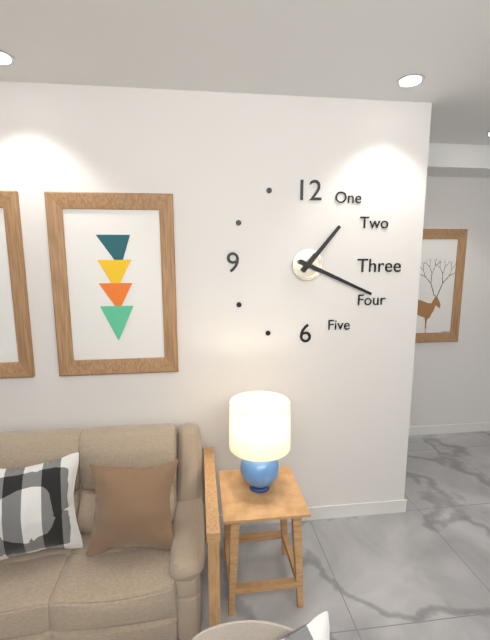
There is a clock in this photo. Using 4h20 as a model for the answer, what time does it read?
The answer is 1h19
